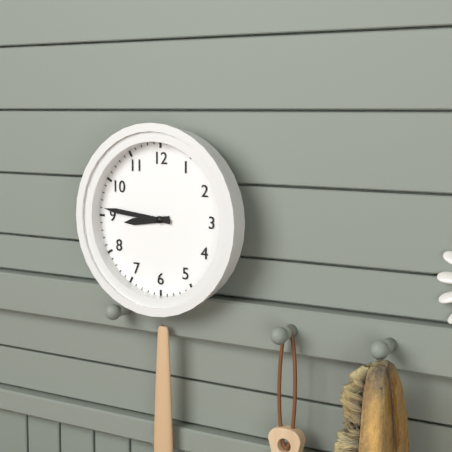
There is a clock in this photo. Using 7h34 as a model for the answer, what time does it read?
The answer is 8h46
